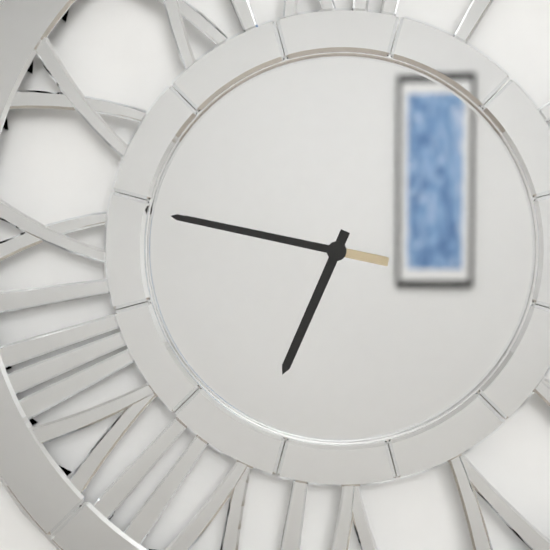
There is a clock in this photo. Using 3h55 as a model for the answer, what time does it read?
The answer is 6h47
